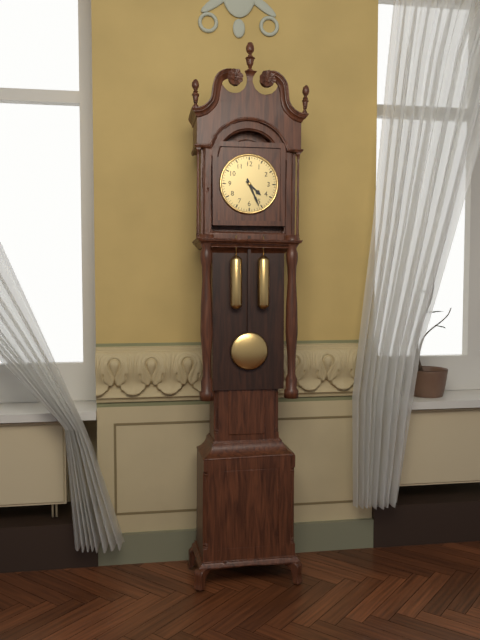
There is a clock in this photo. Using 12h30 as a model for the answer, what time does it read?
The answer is 4h26
